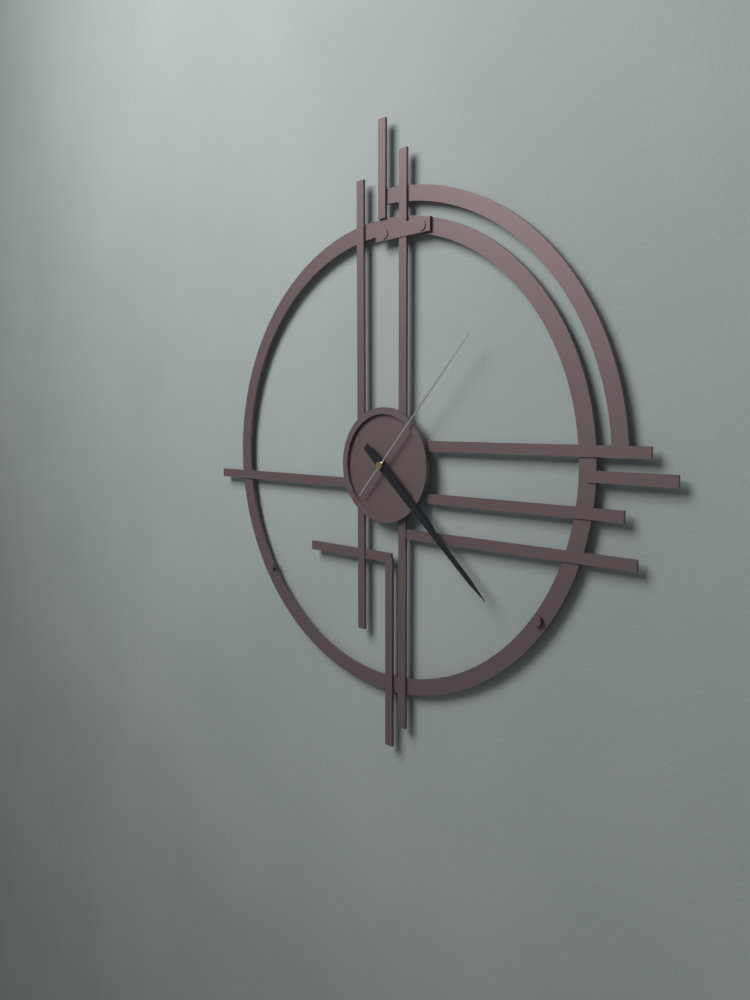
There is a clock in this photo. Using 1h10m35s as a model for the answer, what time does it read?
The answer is 4h22m07s
